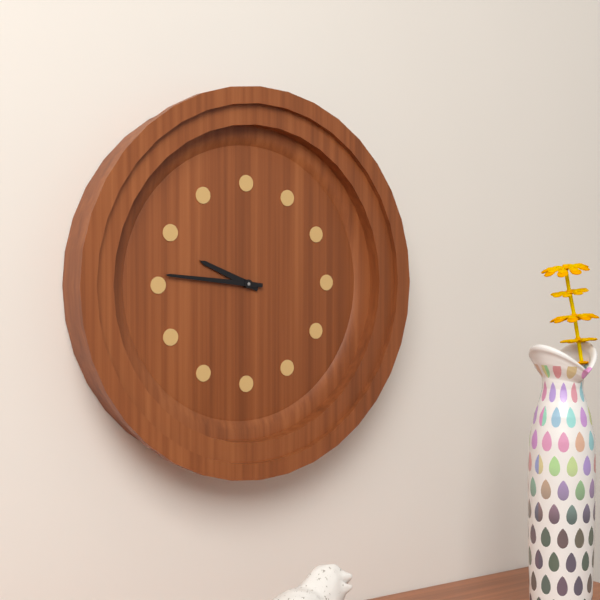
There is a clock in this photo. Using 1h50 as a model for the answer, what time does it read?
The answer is 9h46
